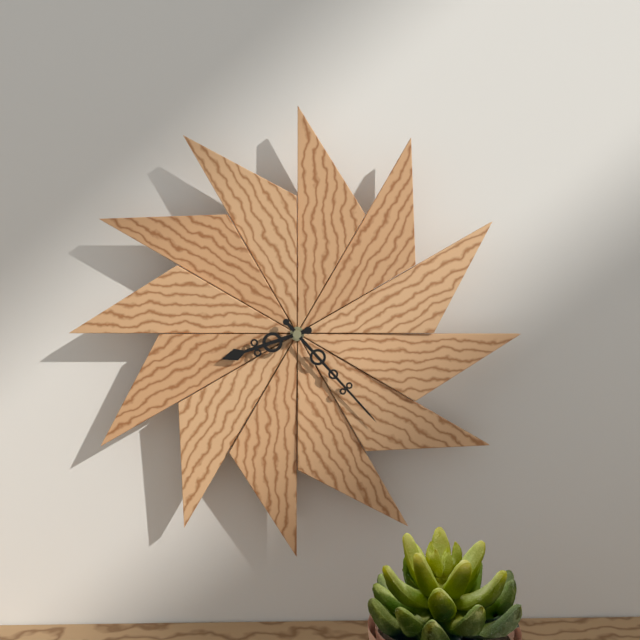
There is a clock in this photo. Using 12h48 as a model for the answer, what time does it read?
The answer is 8h23
